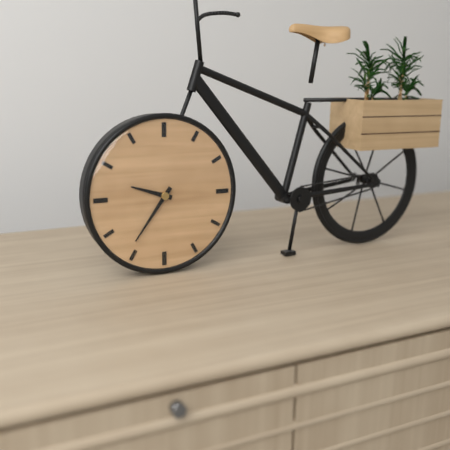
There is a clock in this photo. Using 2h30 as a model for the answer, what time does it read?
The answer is 9h36
